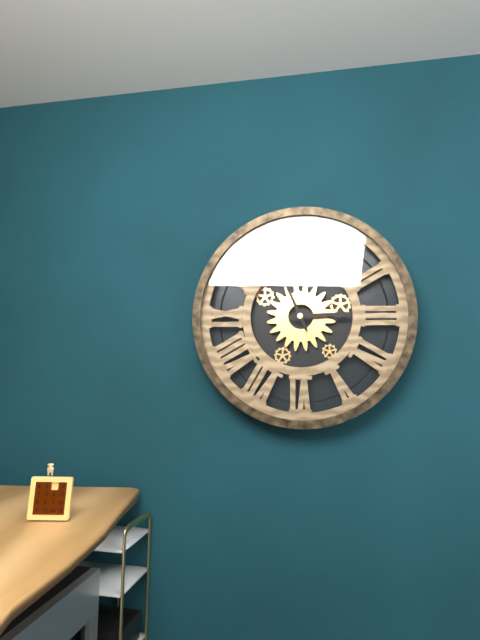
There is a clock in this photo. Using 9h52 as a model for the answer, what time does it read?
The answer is 2h56
